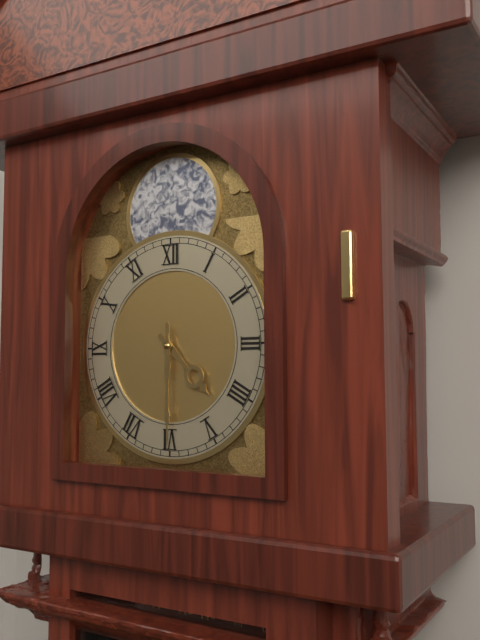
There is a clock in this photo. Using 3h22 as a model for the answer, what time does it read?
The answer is 4h30
